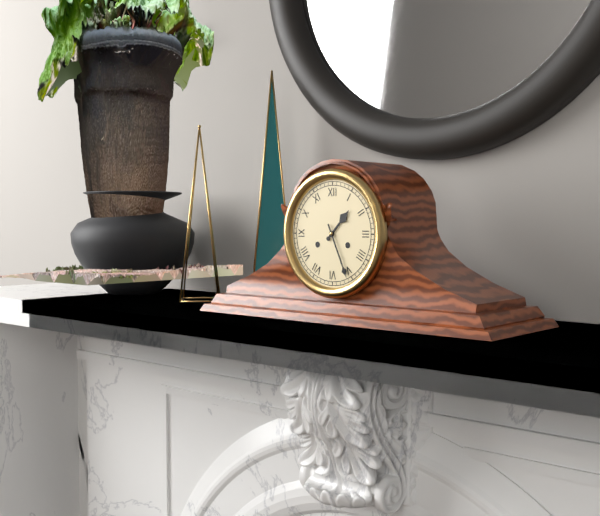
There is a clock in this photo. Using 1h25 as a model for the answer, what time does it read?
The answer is 1h26
